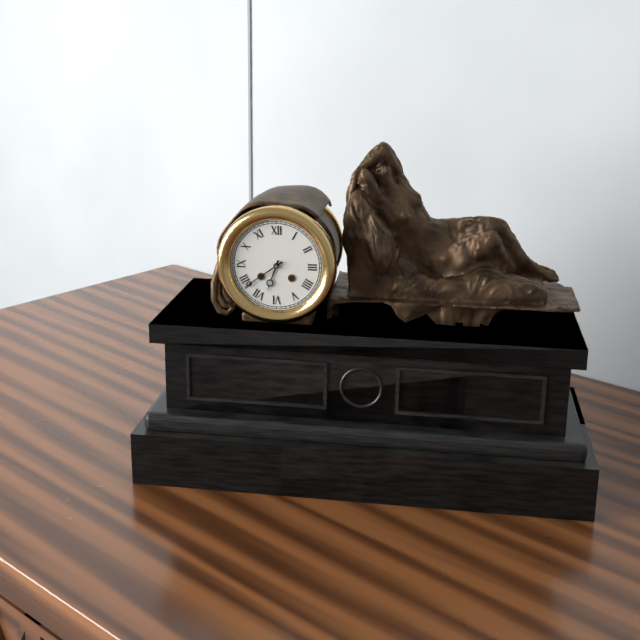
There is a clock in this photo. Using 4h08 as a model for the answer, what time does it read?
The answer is 6h39
